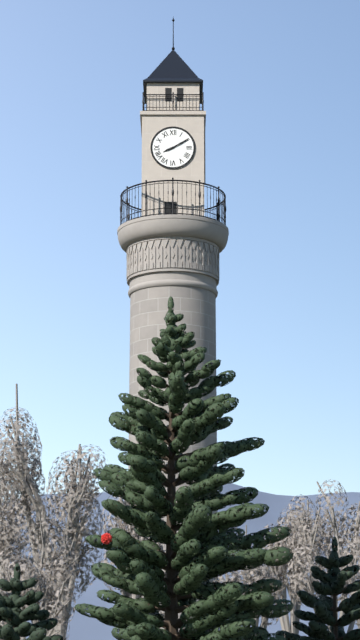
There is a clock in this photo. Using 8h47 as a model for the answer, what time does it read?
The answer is 8h10
